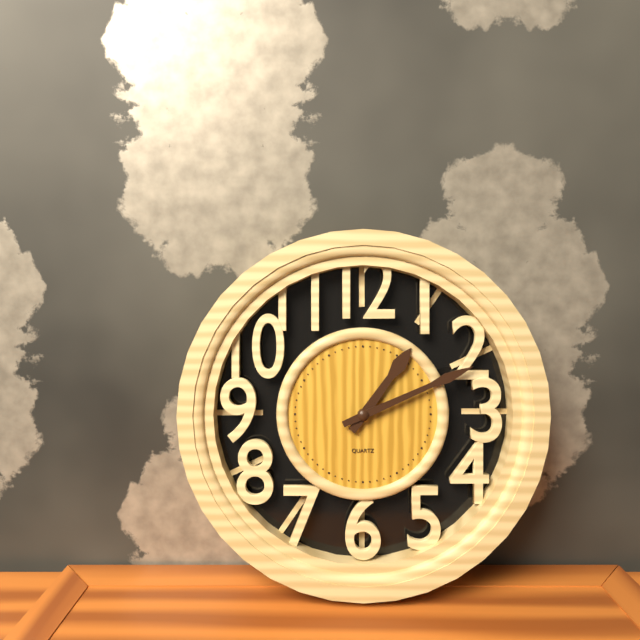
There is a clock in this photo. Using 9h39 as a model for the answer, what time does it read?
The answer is 1h11
